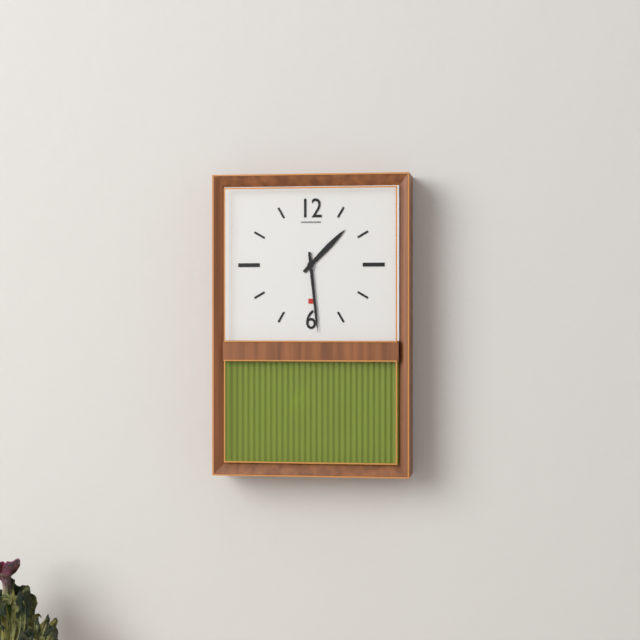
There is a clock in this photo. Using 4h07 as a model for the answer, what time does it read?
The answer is 1h29
